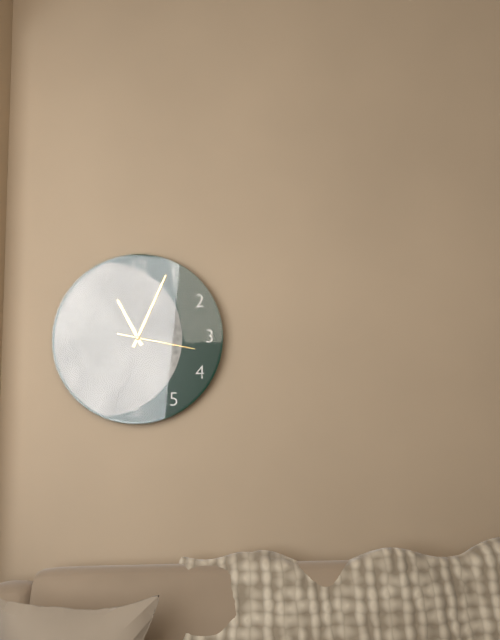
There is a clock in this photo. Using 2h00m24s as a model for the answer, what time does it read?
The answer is 11h04m17s
